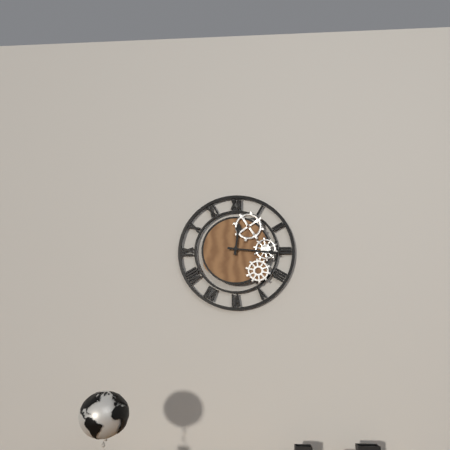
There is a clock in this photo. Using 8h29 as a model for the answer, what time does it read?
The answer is 12h16
